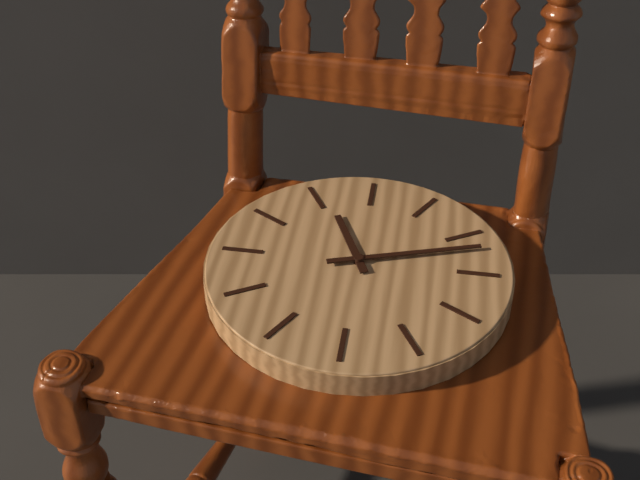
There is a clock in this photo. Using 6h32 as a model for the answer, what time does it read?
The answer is 11h12
